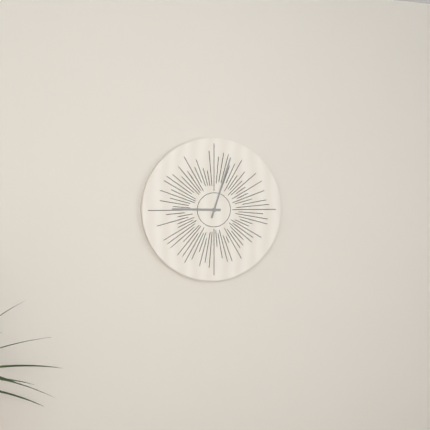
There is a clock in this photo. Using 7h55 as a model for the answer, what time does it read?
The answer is 9h03
